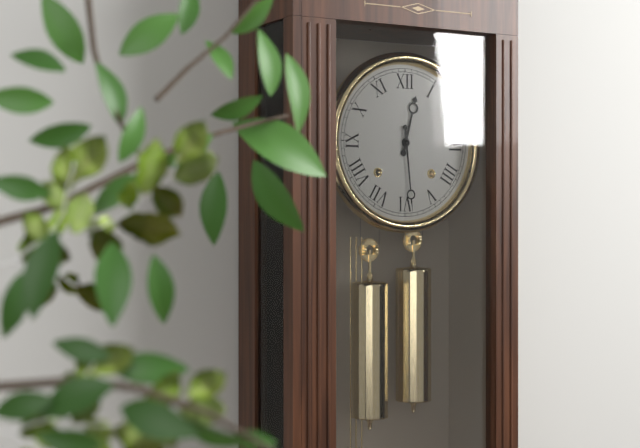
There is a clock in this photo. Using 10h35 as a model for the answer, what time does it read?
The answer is 12h29
